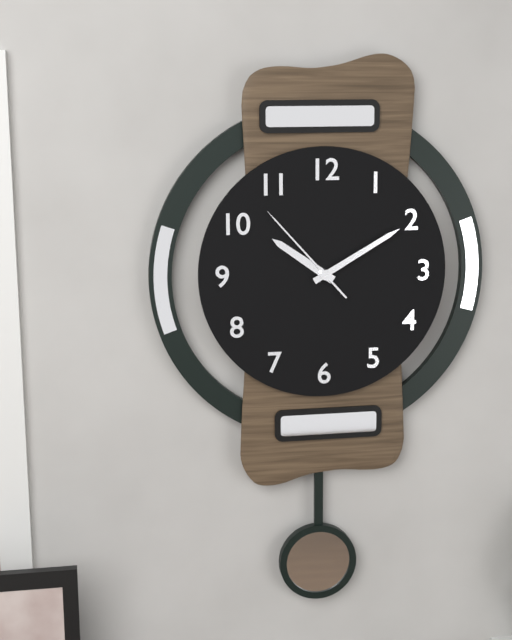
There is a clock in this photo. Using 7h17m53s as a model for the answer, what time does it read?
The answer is 10h10m53s
